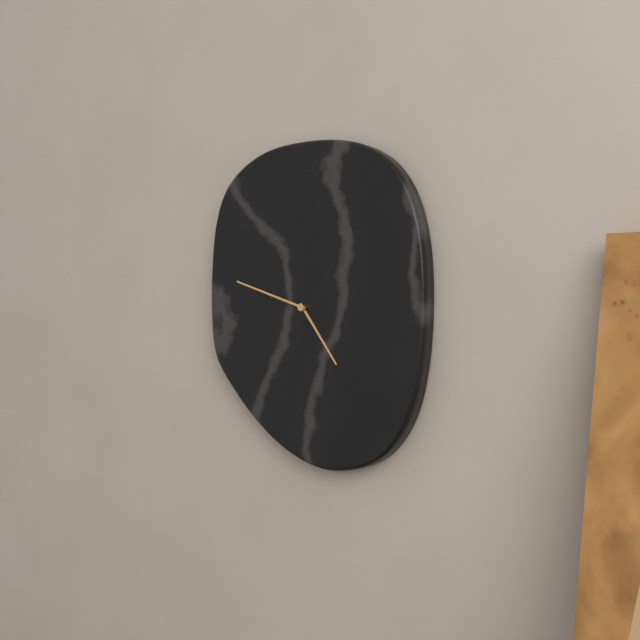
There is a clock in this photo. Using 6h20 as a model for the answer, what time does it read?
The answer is 4h48
